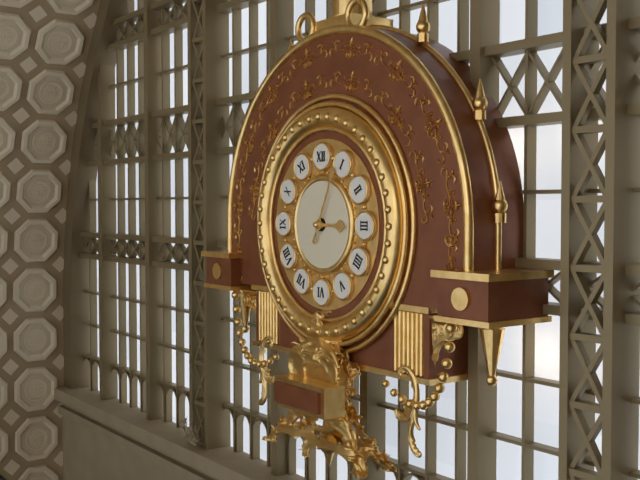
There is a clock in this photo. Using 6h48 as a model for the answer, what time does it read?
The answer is 3h04
